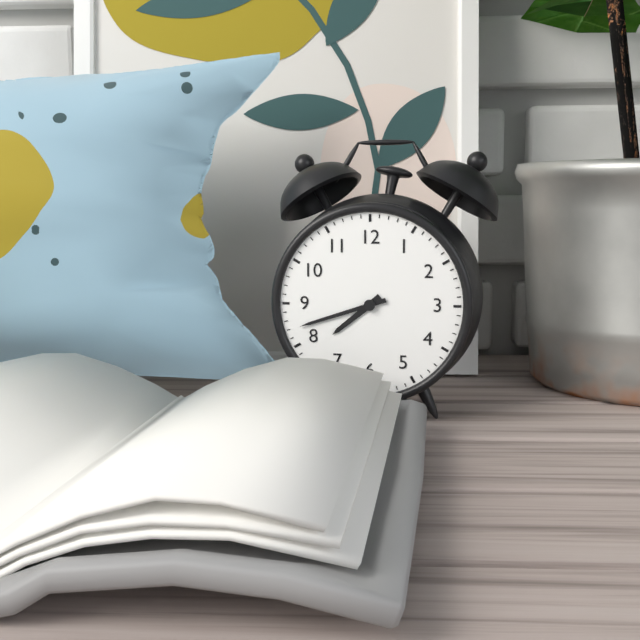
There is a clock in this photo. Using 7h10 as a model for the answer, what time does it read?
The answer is 7h42
